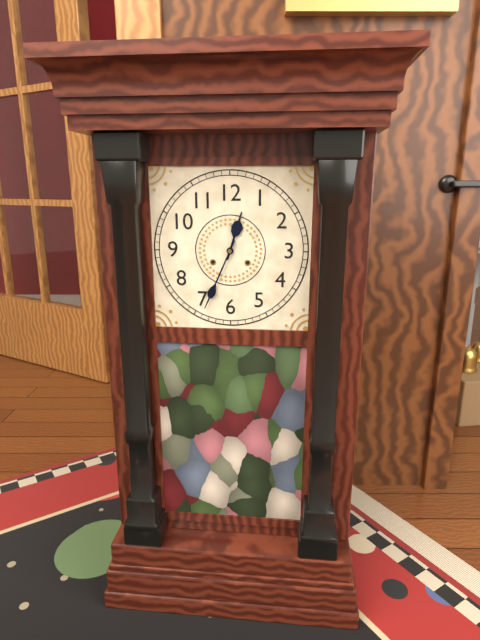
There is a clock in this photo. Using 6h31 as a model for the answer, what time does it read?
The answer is 12h34
